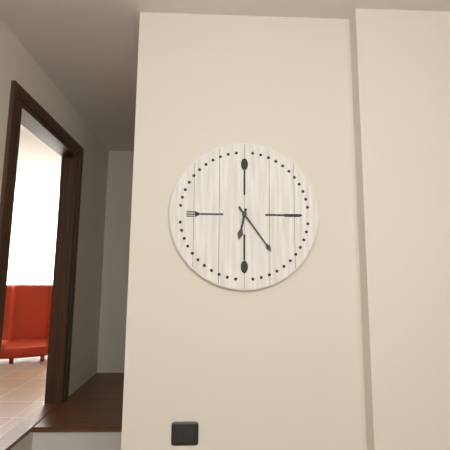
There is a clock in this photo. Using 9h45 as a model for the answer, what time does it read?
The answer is 6h24
